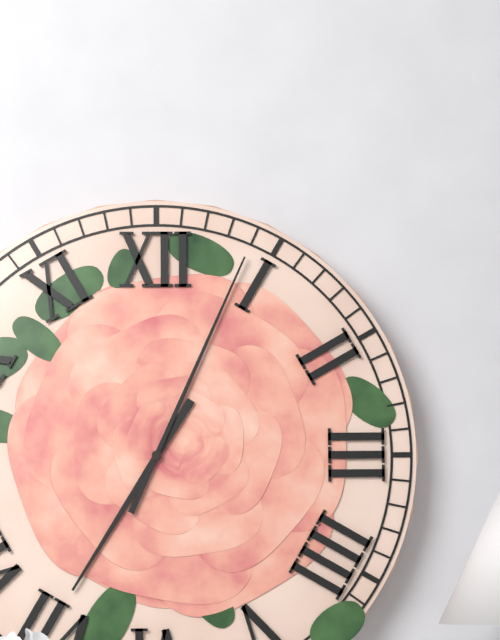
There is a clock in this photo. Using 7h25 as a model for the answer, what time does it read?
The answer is 7h04
